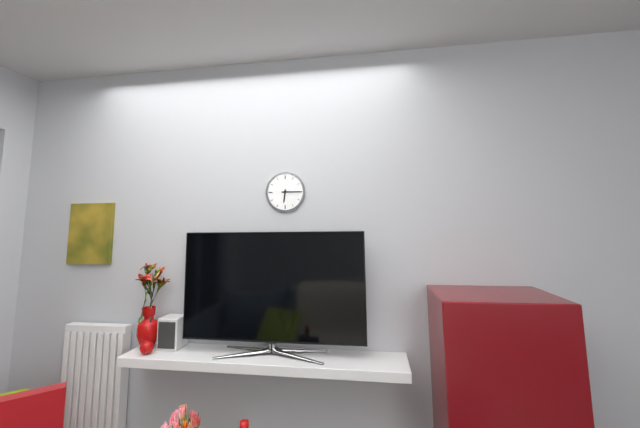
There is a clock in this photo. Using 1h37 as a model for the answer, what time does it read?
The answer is 6h15
